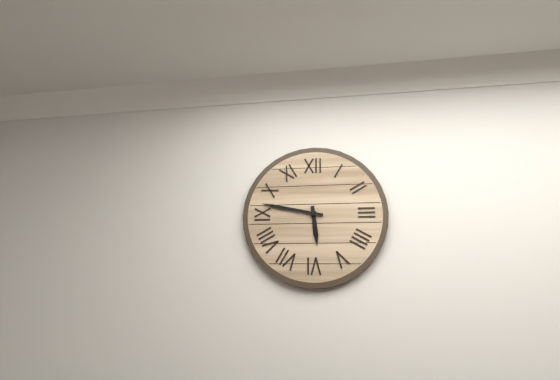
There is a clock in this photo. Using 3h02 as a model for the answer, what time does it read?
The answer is 5h47
